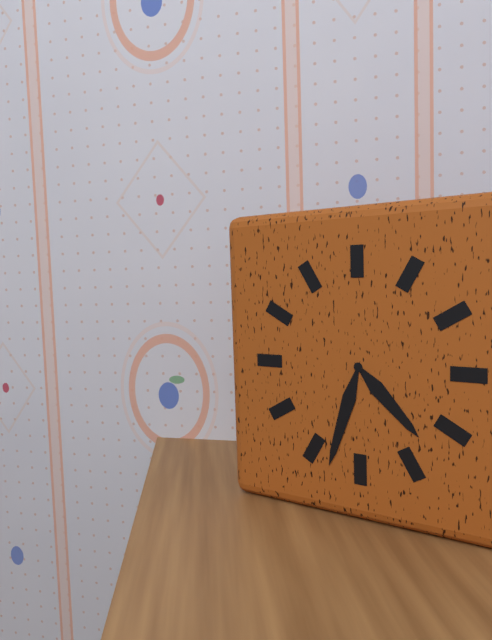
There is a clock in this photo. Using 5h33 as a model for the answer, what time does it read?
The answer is 4h33
